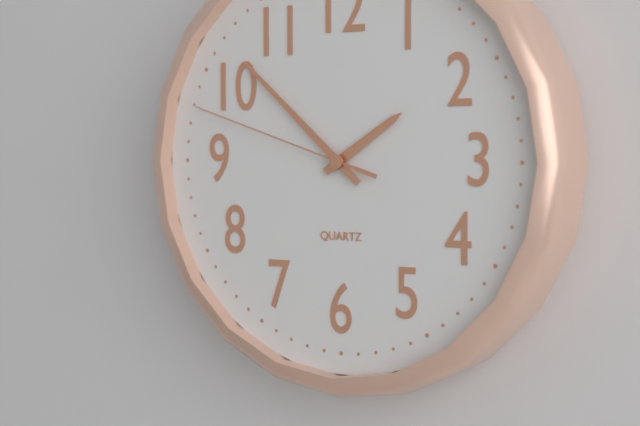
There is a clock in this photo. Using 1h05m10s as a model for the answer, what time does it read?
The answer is 1h52m48s
